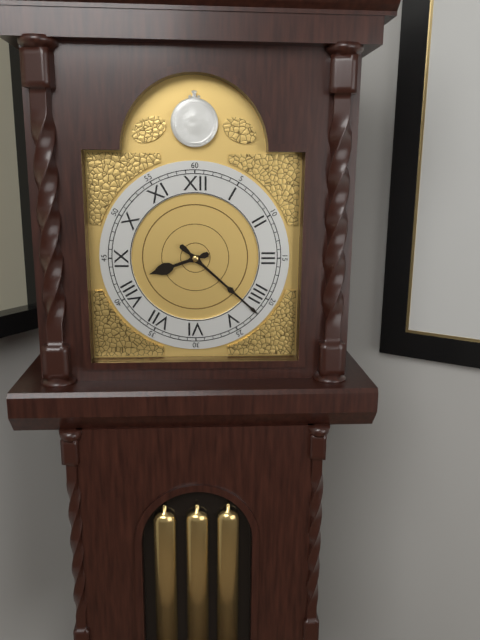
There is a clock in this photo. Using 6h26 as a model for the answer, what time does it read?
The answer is 8h22
